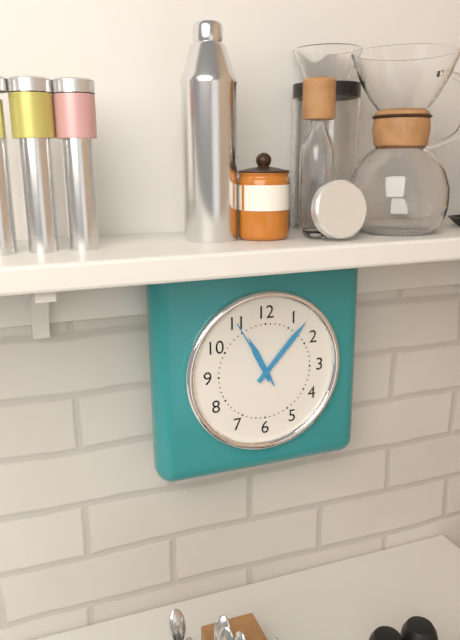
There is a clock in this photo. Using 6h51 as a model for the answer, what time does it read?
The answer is 11h07
